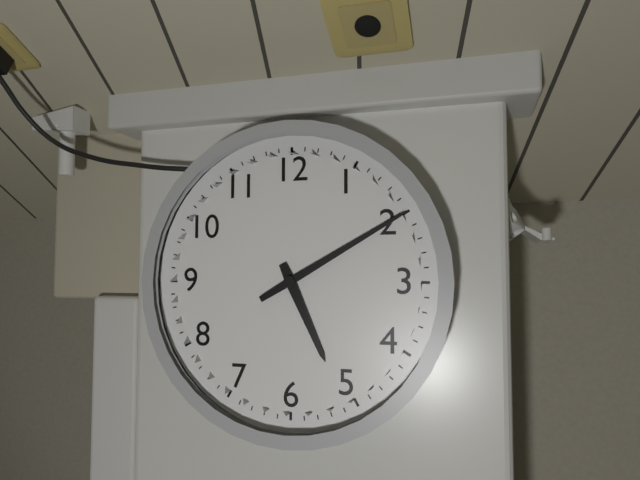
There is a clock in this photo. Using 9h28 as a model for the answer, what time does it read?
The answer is 5h10
